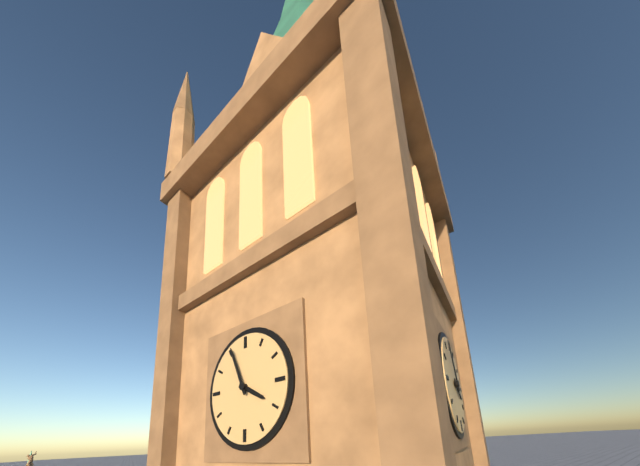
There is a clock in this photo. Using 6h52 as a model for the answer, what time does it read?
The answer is 3h56
